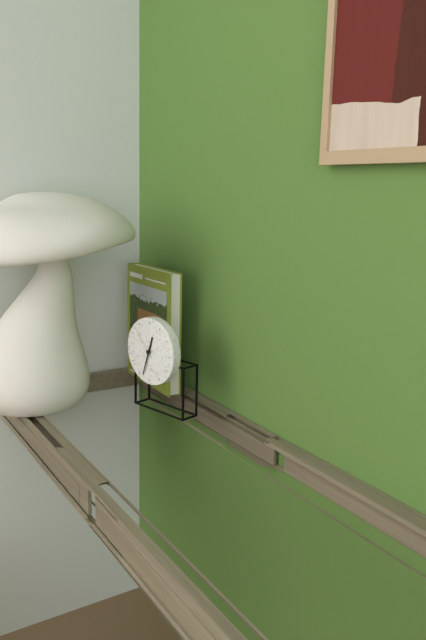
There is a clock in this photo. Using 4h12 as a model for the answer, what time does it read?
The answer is 12h33
